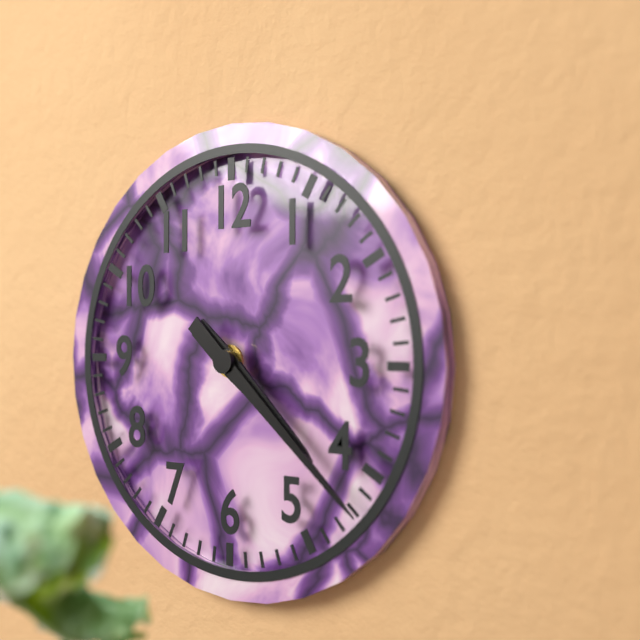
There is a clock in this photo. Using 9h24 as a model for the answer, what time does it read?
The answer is 4h22
